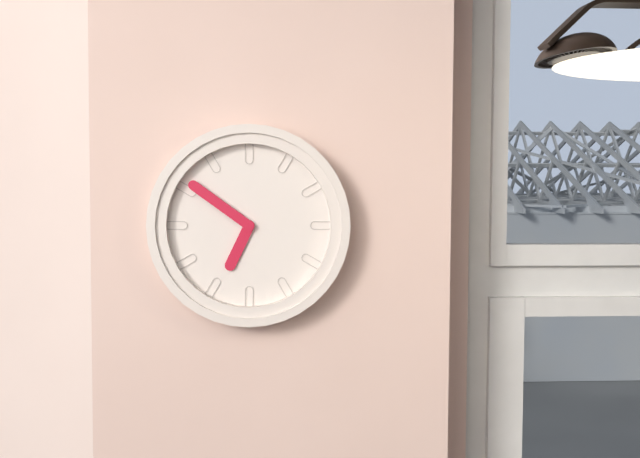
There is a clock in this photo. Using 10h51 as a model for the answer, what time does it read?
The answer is 6h51
